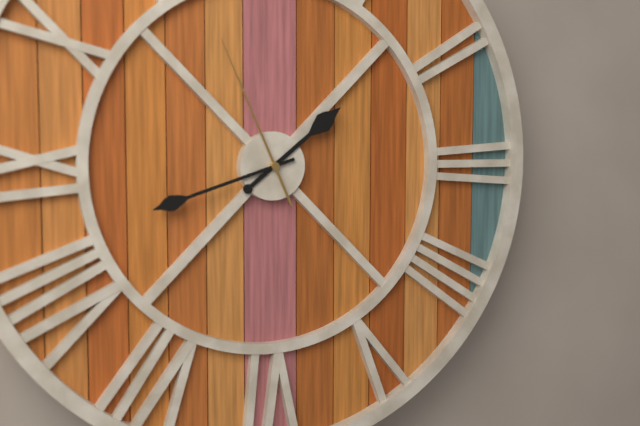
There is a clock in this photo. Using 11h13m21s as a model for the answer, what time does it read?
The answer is 1h42m56s
